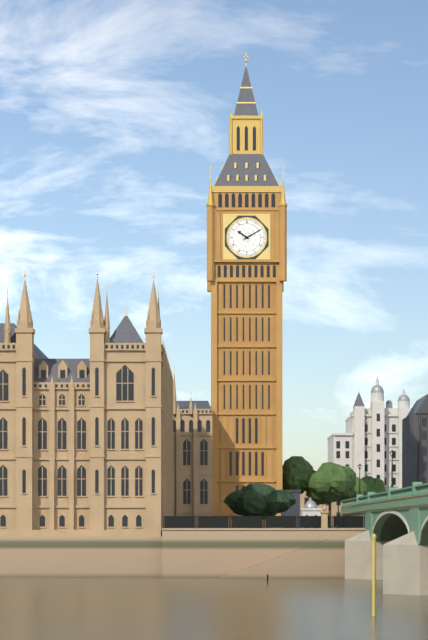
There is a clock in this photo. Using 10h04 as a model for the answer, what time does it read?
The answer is 10h10
